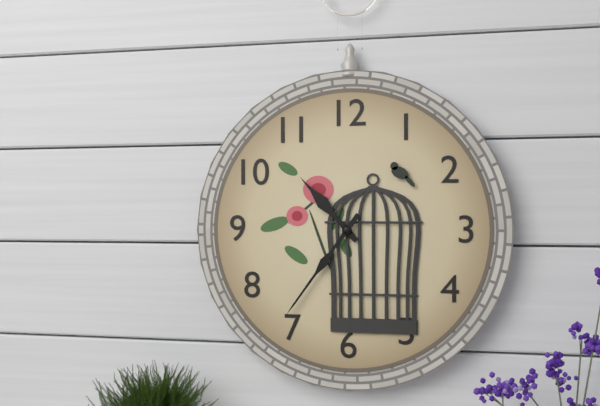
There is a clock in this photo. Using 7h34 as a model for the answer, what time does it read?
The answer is 10h36
